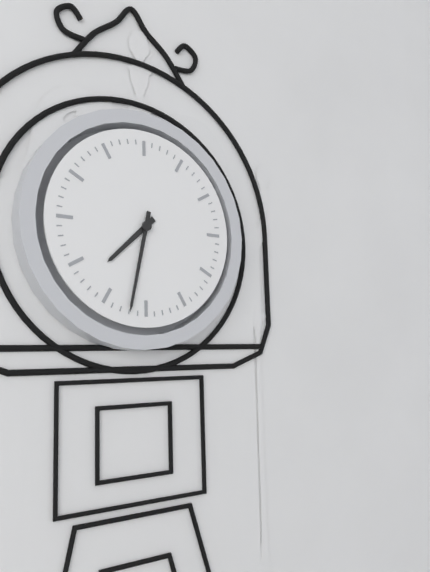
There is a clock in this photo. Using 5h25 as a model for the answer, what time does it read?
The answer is 7h32
